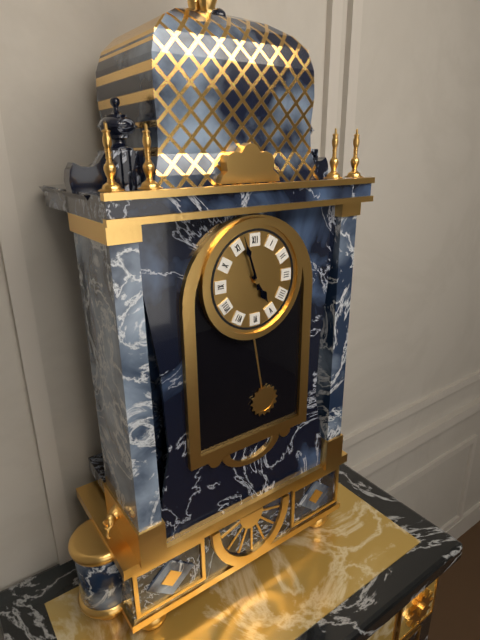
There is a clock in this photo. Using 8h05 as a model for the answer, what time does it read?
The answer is 4h57
